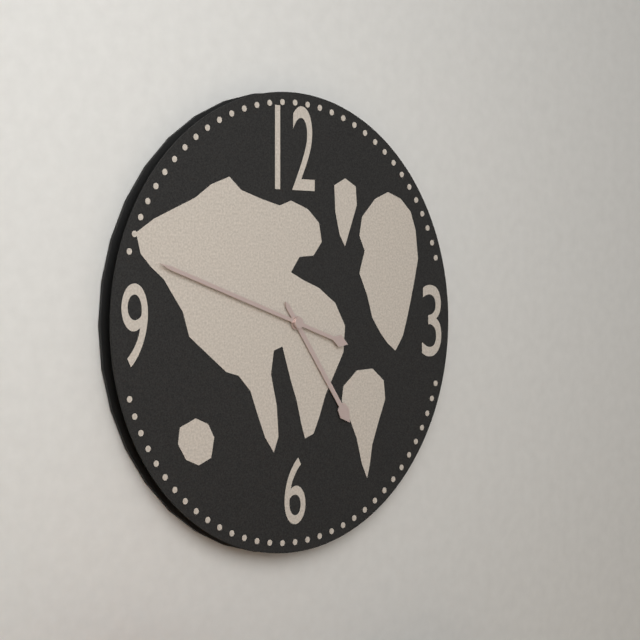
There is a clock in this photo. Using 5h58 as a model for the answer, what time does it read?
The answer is 4h48
